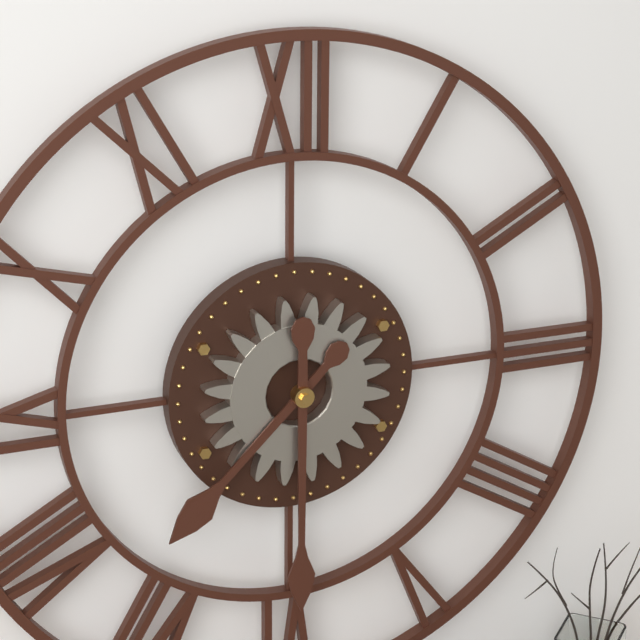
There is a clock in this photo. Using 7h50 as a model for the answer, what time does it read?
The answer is 7h30
